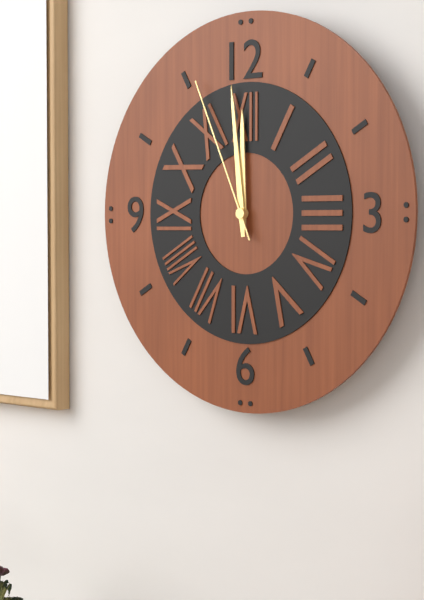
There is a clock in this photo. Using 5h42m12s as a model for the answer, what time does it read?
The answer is 11h59m56s
